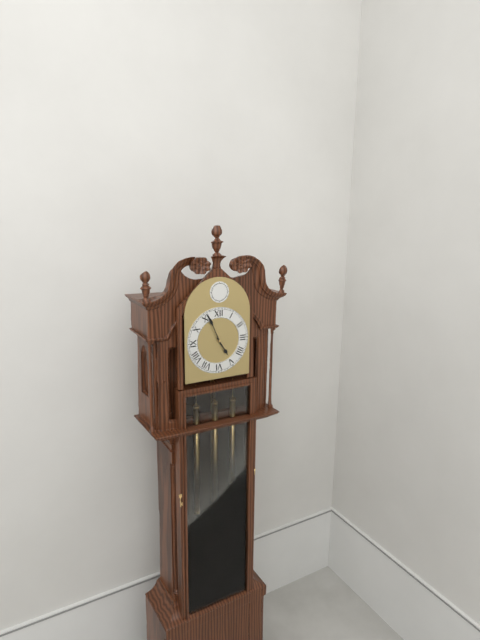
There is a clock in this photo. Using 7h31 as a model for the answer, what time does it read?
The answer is 4h56
